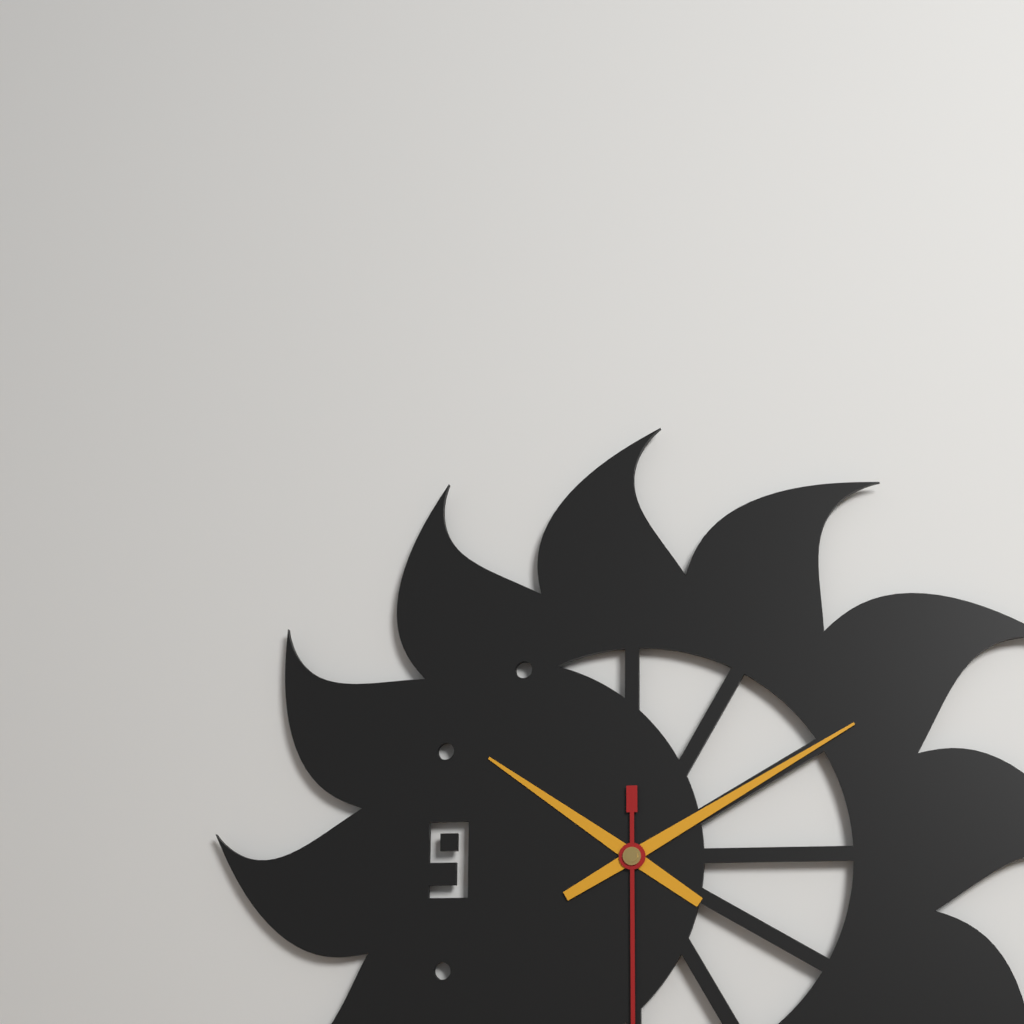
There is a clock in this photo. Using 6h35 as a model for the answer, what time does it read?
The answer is 10h10
